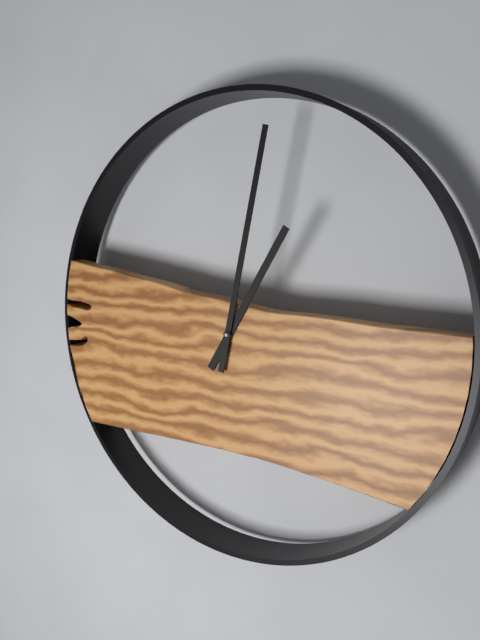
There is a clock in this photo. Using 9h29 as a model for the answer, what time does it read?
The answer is 1h02
